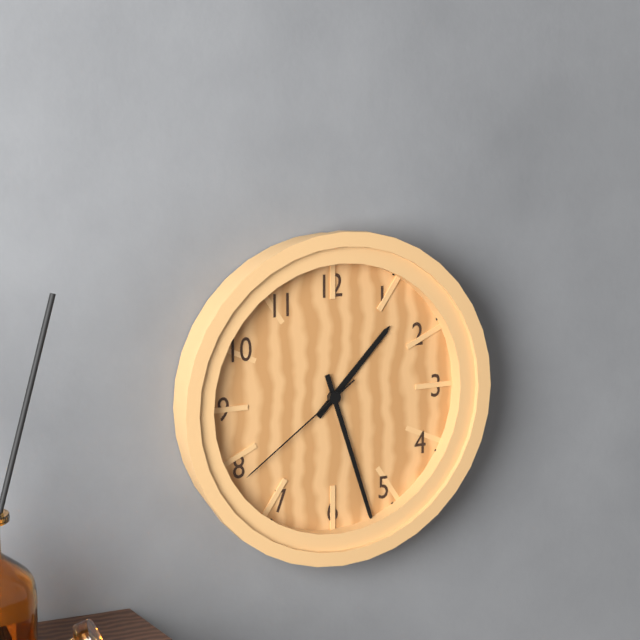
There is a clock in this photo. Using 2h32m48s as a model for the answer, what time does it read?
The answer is 1h27m39s
